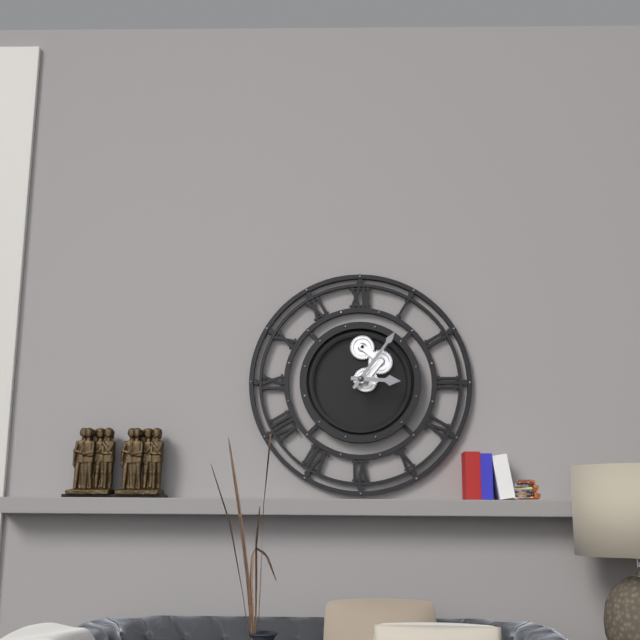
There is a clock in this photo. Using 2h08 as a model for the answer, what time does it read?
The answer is 3h06
